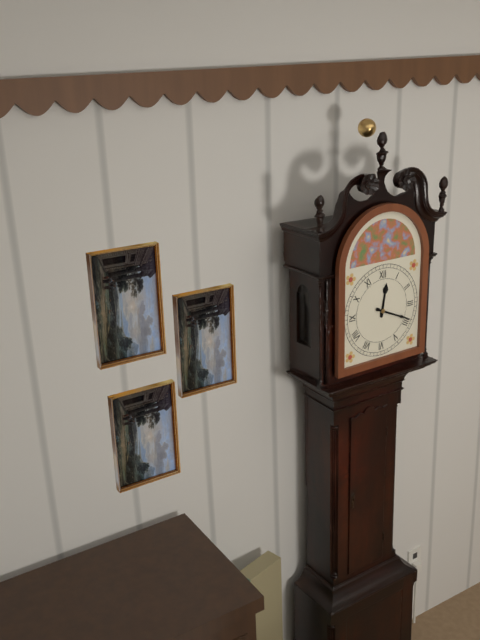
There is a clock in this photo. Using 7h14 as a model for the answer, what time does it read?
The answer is 12h19
